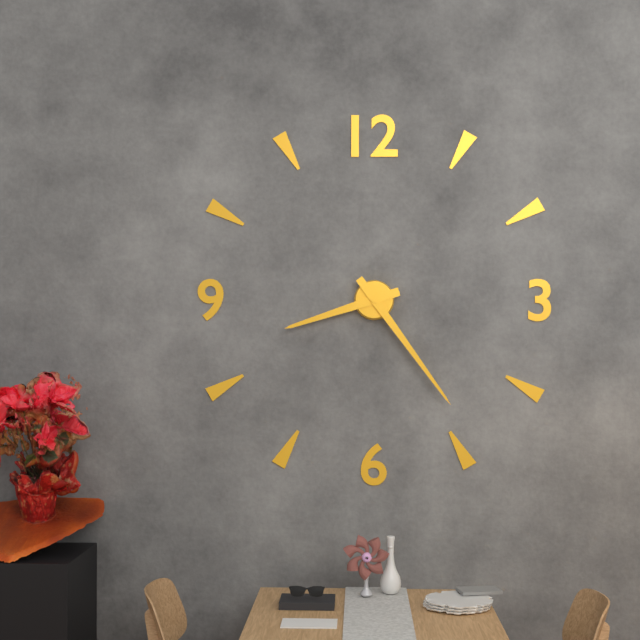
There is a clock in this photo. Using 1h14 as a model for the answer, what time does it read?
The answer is 8h24
